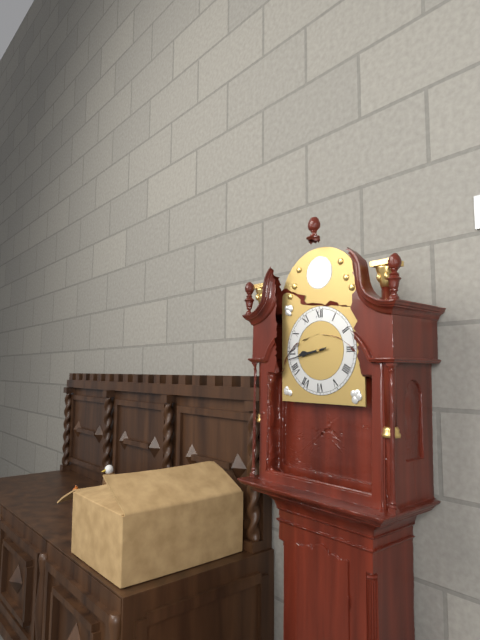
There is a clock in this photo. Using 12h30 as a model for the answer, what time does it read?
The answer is 8h43
